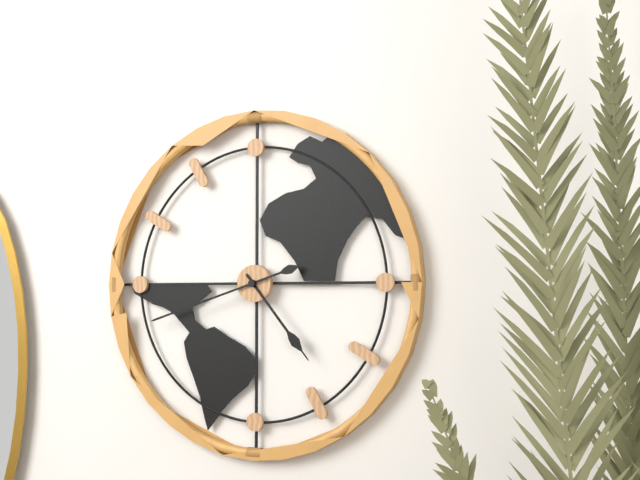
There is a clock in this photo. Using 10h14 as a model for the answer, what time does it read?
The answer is 4h42
